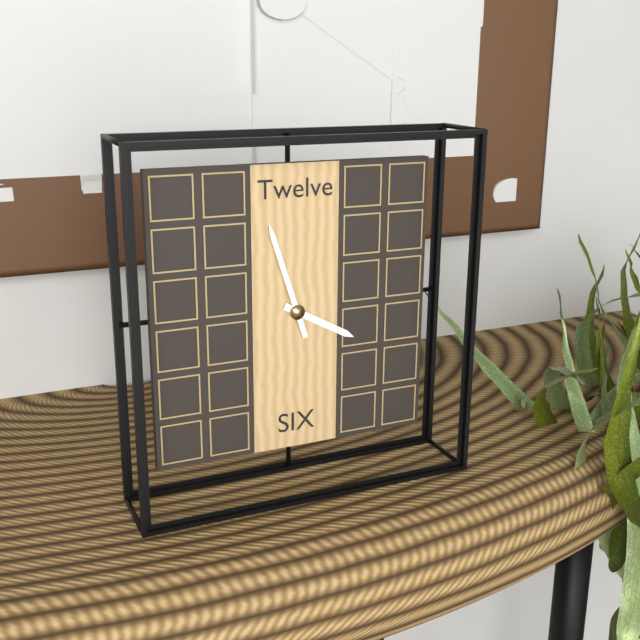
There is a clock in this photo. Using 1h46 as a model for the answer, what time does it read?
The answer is 3h57
